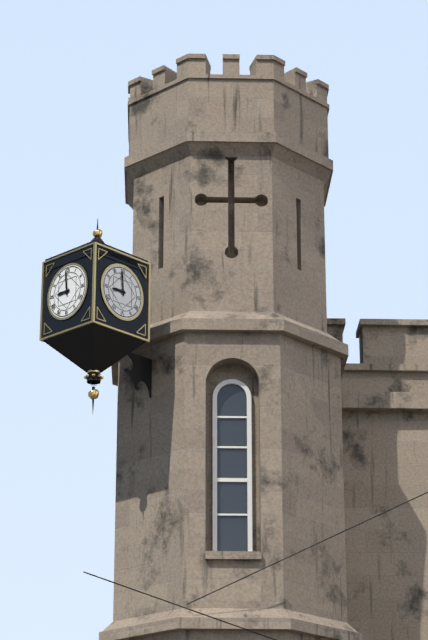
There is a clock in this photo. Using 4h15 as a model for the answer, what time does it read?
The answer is 8h59
